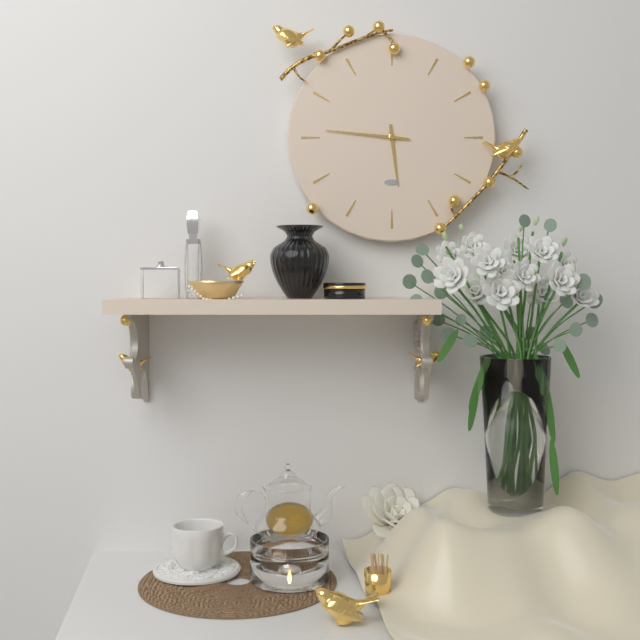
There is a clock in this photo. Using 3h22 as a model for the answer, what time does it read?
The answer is 5h46
